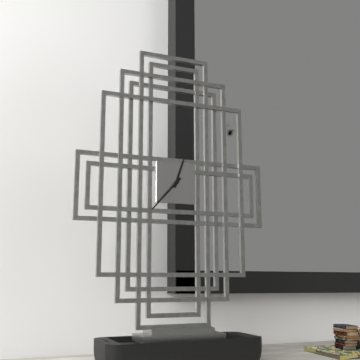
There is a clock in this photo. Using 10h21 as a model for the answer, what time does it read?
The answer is 12h37
